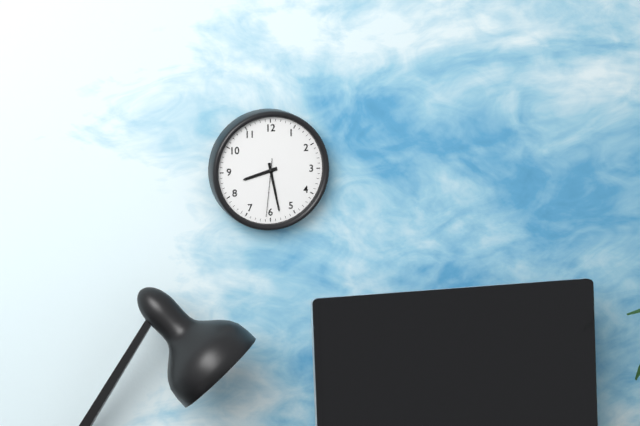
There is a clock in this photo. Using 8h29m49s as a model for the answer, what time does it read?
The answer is 8h28m31s
